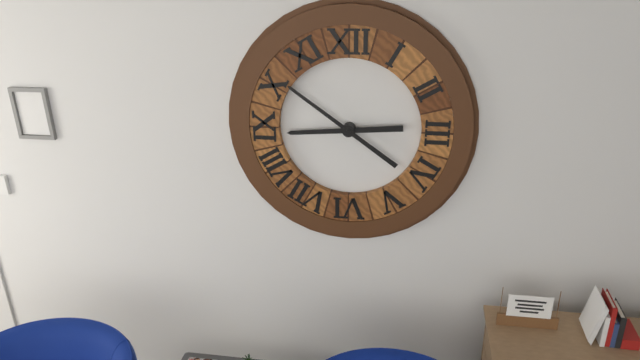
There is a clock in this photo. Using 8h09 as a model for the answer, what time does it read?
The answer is 8h51
